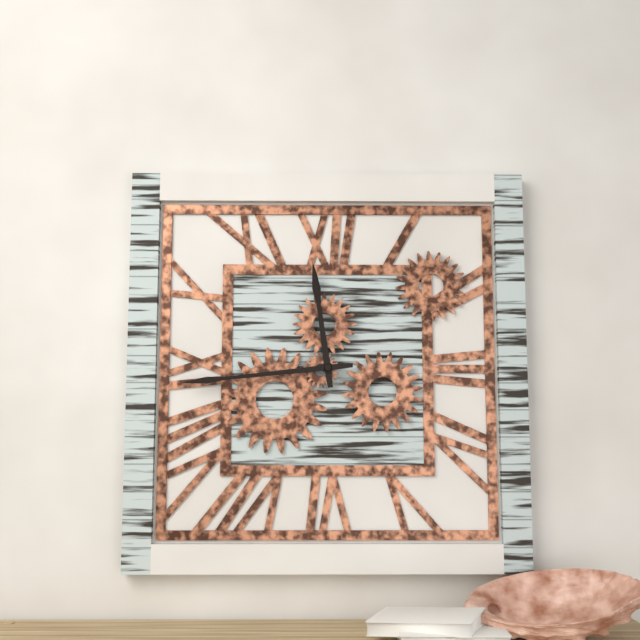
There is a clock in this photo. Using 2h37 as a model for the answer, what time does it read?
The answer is 11h44
